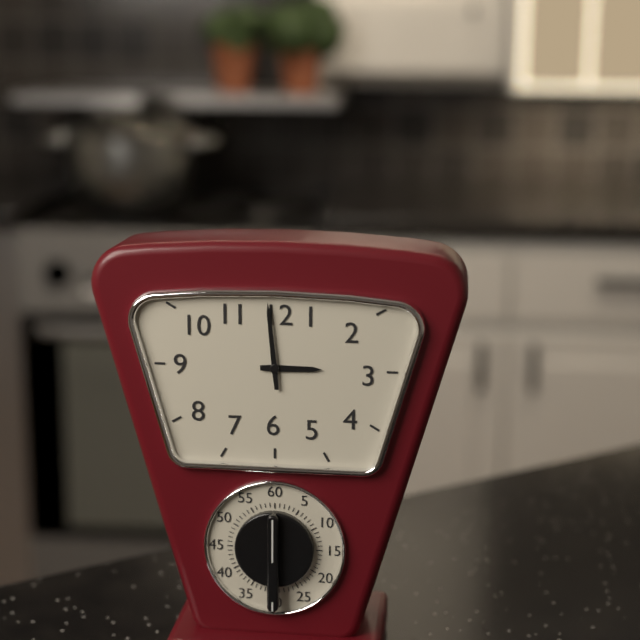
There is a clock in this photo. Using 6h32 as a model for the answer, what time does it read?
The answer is 2h59
